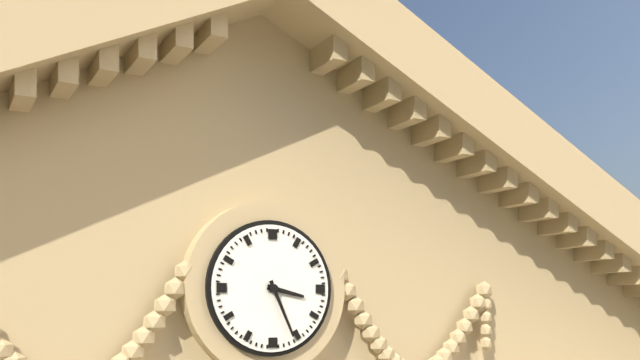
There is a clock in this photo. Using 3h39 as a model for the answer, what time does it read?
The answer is 3h26
